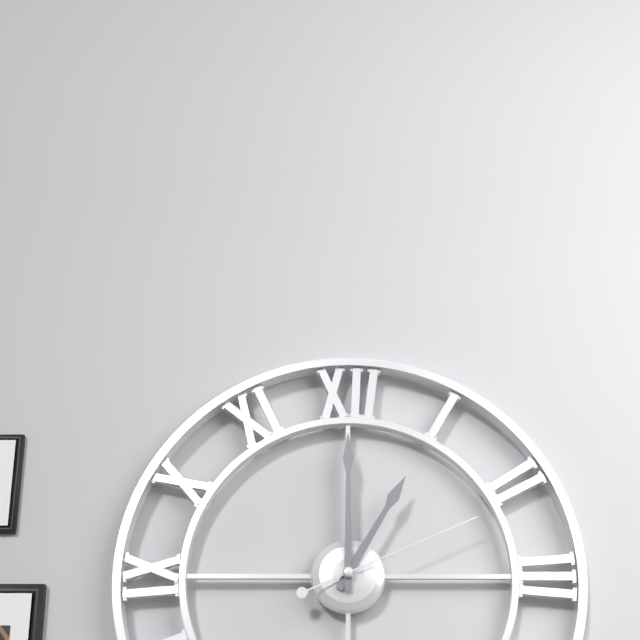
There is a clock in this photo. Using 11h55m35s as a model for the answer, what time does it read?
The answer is 1h00m11s
